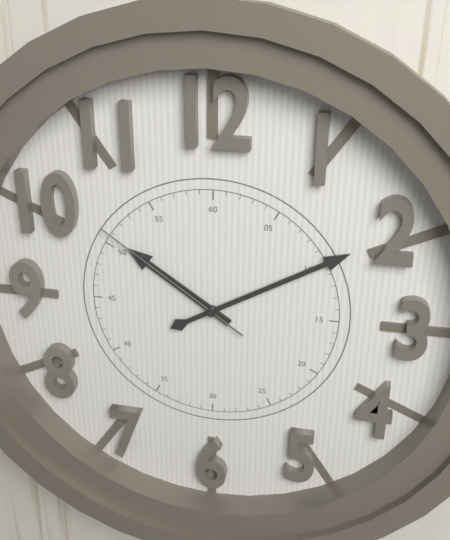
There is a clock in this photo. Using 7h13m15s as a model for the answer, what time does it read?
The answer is 10h10m51s
